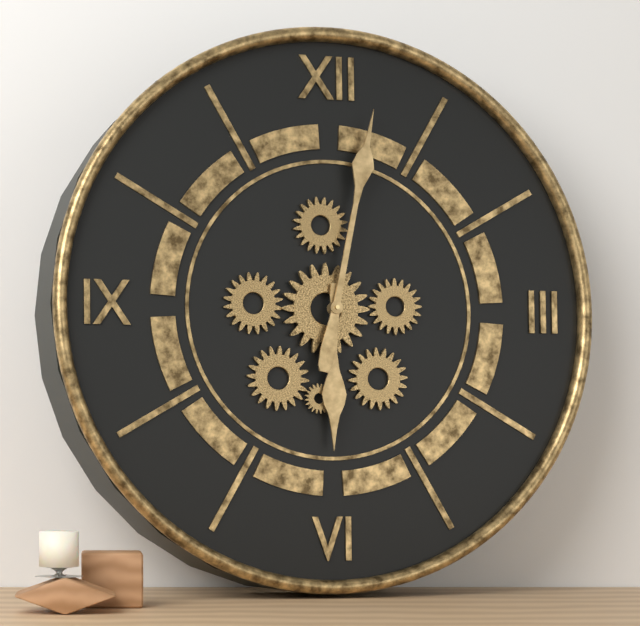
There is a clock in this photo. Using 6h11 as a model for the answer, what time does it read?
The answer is 6h02
